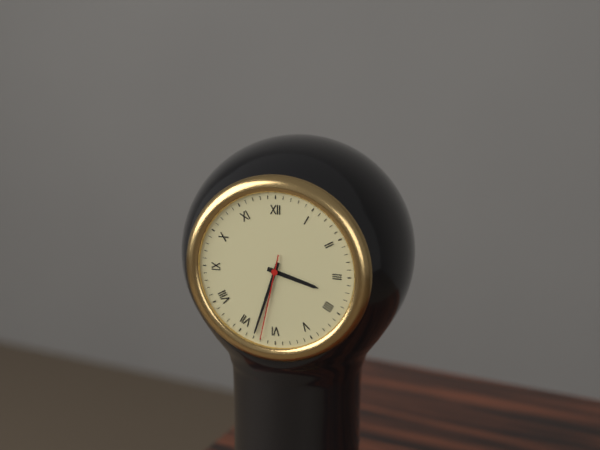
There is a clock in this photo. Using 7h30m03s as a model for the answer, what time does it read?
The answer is 3h33m32s
